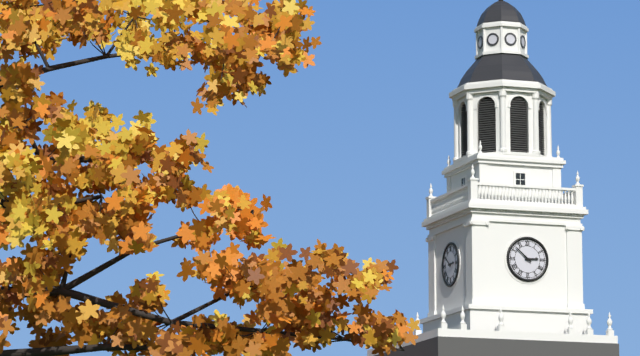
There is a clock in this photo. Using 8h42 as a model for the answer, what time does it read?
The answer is 2h52
